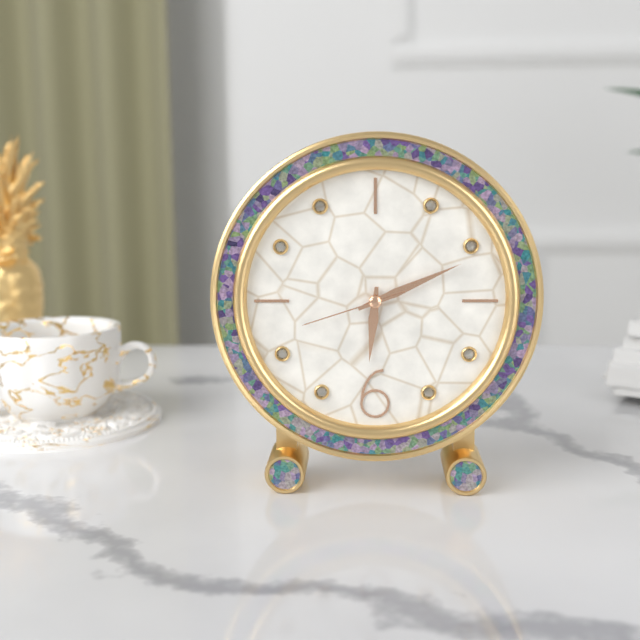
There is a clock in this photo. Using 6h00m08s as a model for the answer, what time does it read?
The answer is 6h11m42s
